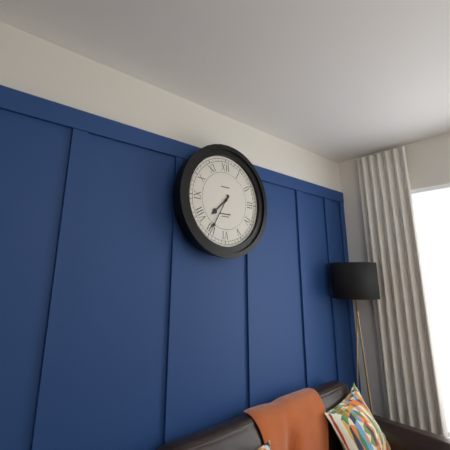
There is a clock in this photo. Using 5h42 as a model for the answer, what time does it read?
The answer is 7h35
